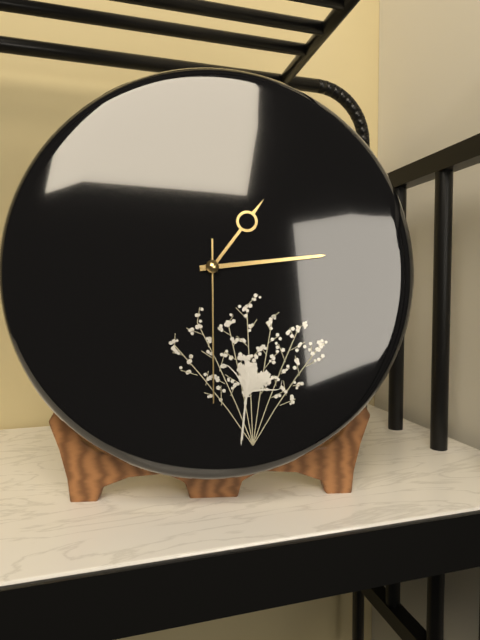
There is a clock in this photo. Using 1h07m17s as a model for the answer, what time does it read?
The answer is 1h14m30s
